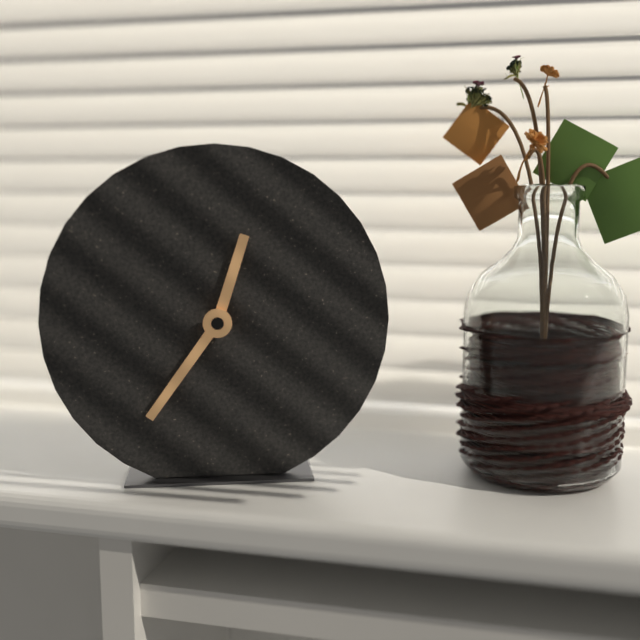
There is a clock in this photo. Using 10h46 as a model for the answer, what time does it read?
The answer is 12h36
